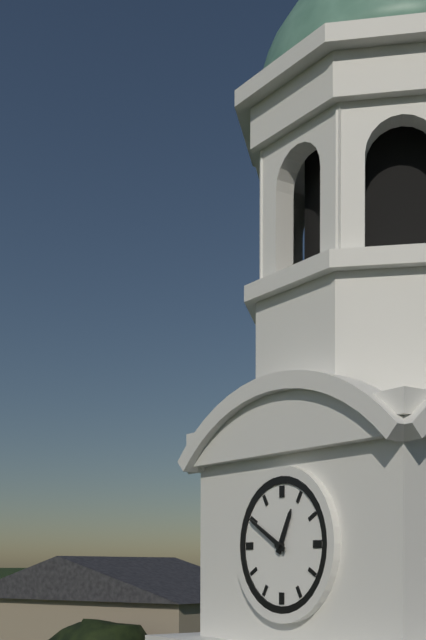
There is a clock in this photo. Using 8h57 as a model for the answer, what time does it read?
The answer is 12h50
